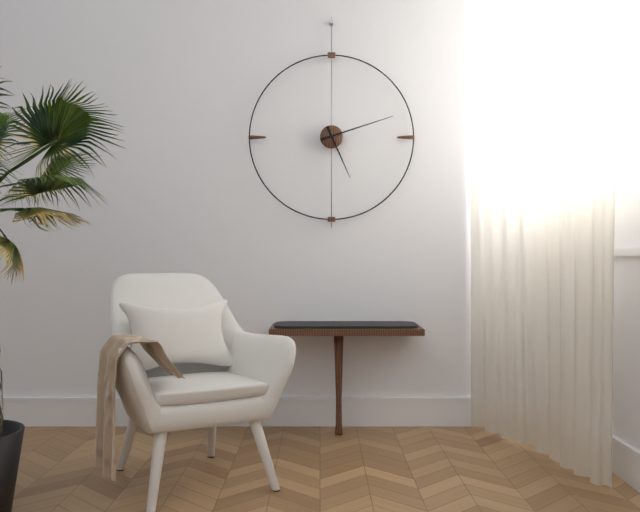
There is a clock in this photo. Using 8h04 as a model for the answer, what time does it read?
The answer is 5h12
